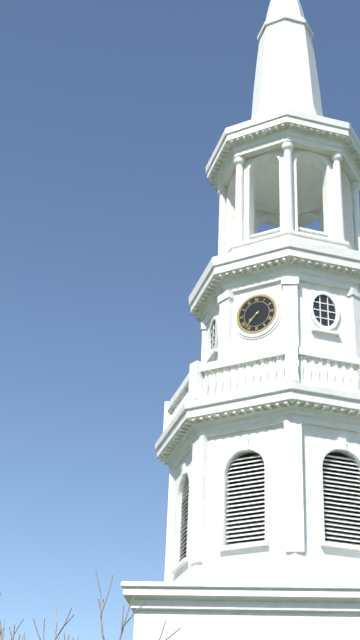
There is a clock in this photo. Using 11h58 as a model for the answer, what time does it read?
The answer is 7h37
